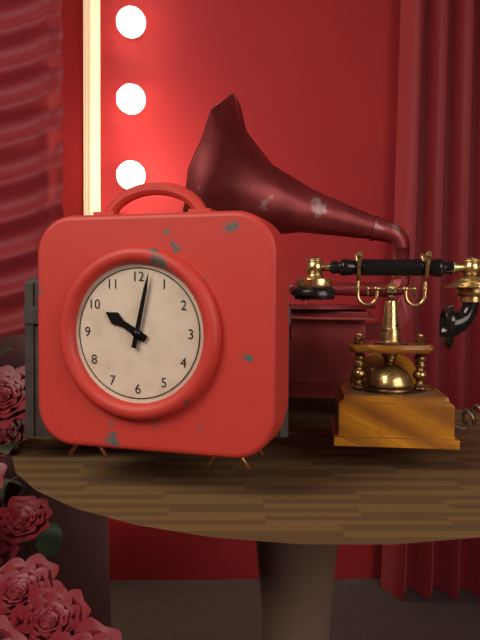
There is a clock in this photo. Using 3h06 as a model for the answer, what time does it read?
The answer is 10h02
